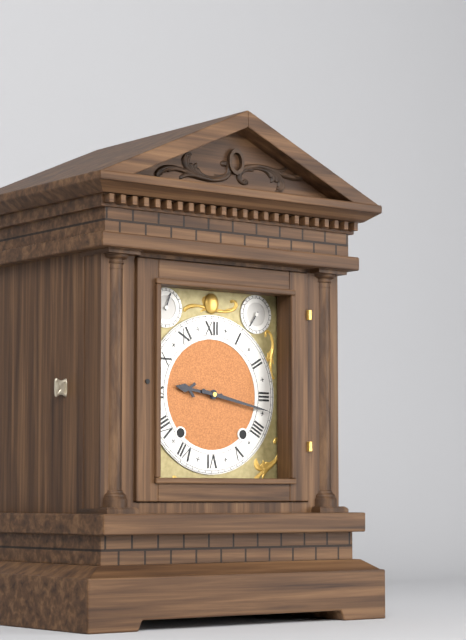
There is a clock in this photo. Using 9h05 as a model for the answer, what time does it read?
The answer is 9h17
